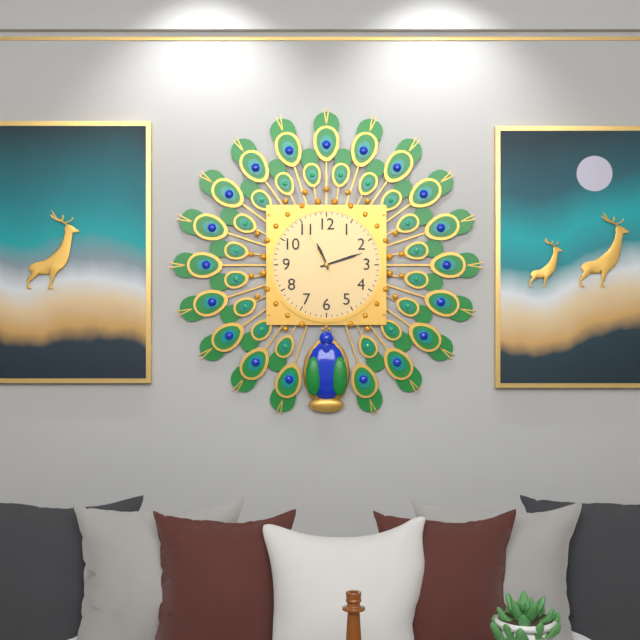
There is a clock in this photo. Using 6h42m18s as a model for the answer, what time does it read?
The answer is 11h12m55s
